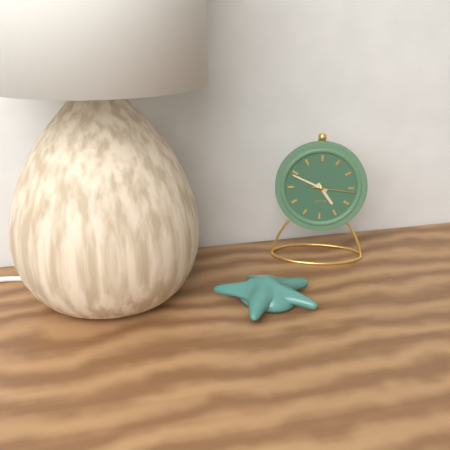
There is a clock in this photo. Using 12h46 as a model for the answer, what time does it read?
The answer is 4h49
